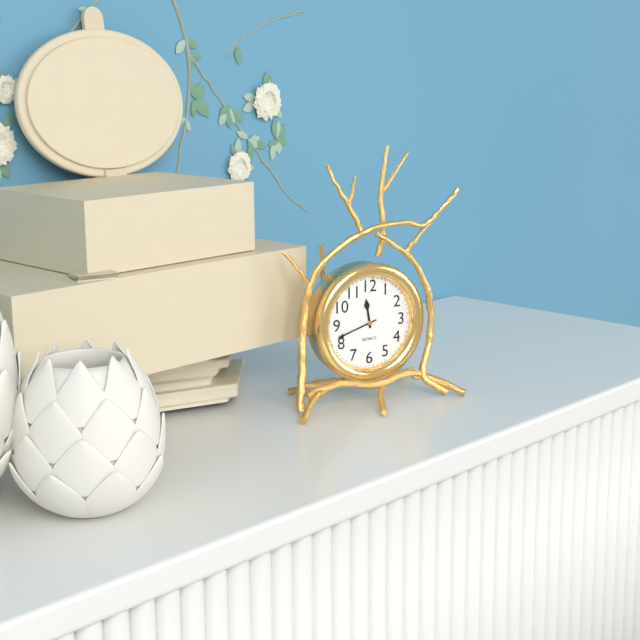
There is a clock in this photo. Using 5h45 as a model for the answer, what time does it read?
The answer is 11h42
